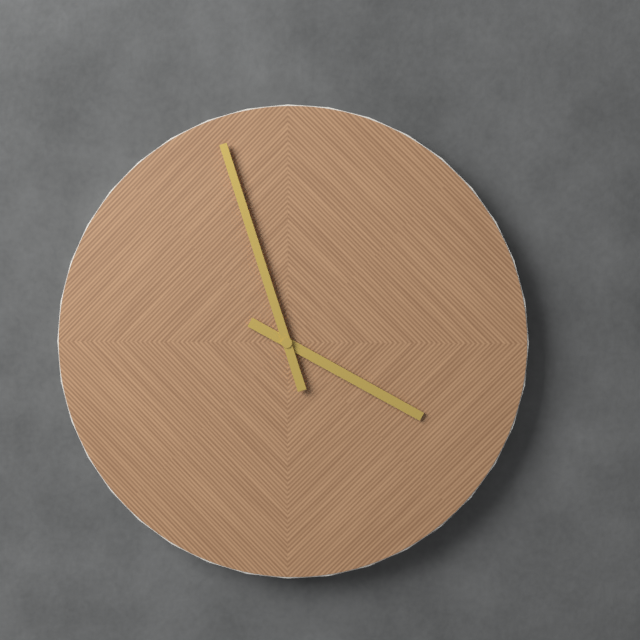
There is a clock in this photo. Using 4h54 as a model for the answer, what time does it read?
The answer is 3h57
